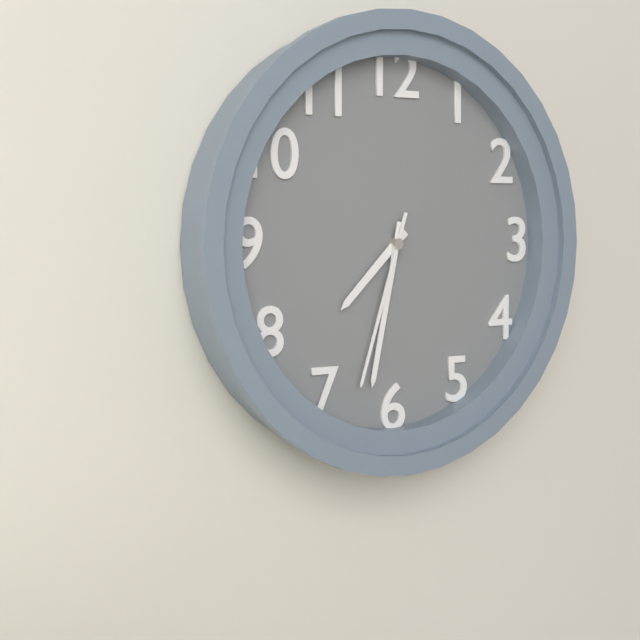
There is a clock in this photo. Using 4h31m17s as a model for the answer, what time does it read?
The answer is 7h32m33s
